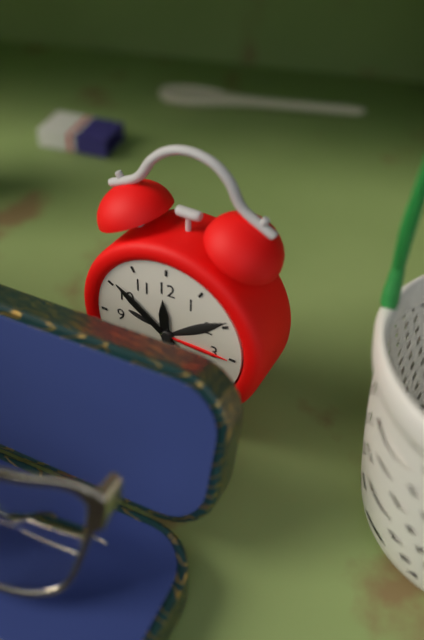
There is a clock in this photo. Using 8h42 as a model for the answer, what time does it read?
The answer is 11h51
